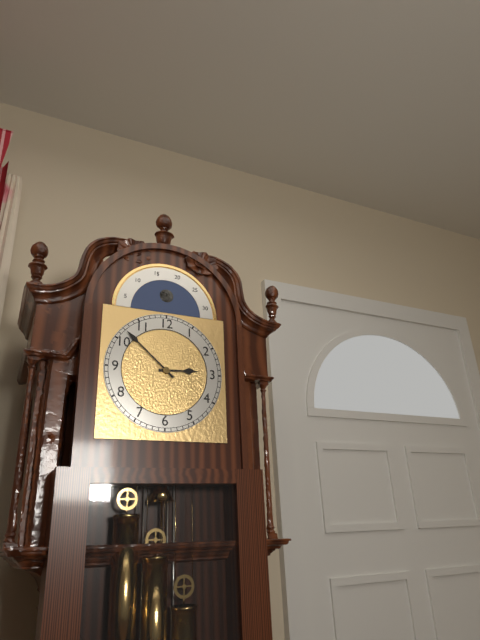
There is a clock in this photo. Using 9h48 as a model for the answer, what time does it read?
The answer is 2h52
